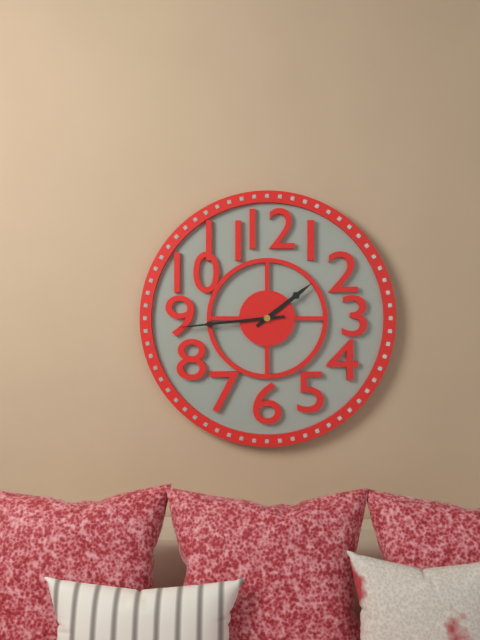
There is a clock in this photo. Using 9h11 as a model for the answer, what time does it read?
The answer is 1h44
